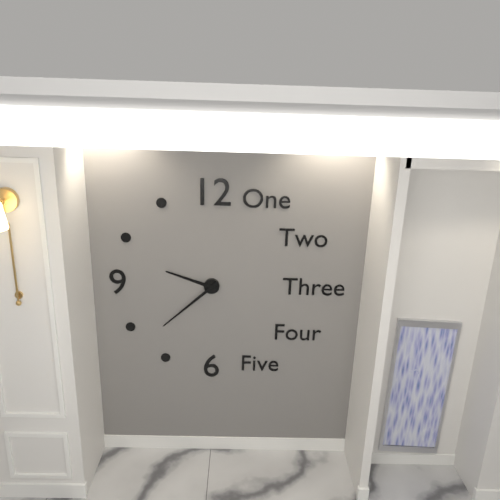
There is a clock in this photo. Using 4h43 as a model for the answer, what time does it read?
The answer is 9h38
